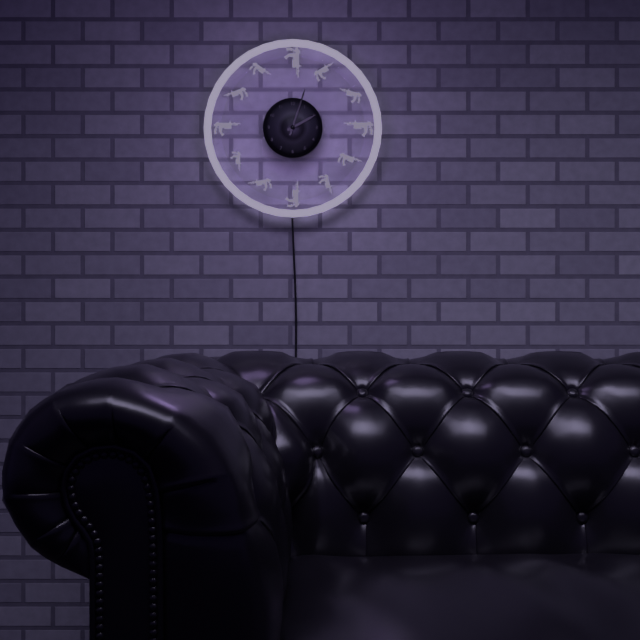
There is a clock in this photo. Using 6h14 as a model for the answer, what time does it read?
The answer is 2h03
